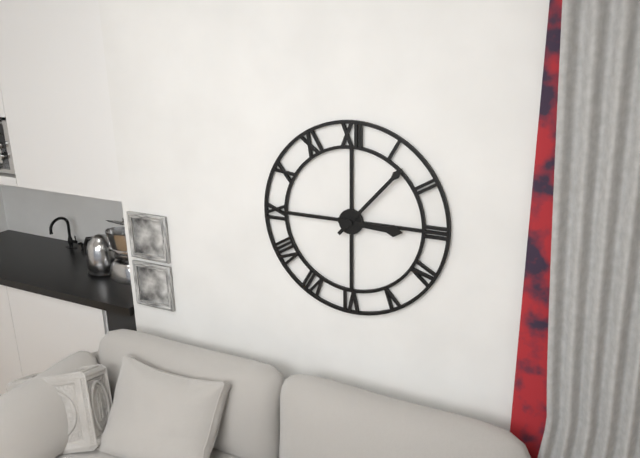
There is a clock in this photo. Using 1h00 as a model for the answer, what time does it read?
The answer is 3h07
